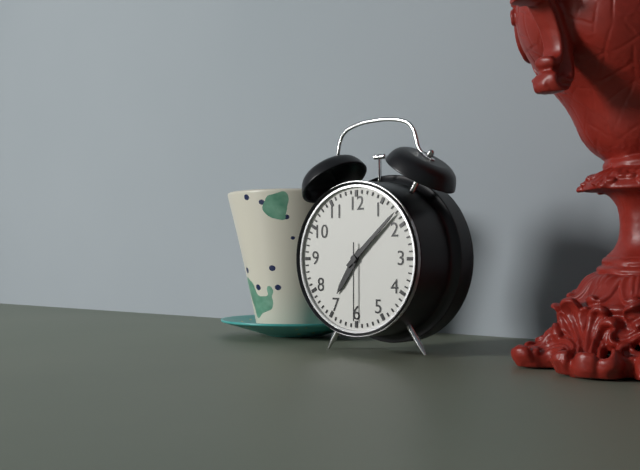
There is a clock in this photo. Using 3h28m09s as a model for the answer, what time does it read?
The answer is 7h08m30s
